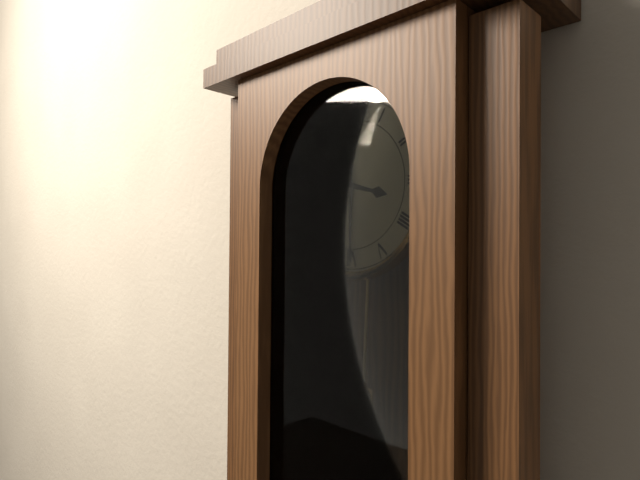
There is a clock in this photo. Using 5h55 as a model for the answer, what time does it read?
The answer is 3h30
